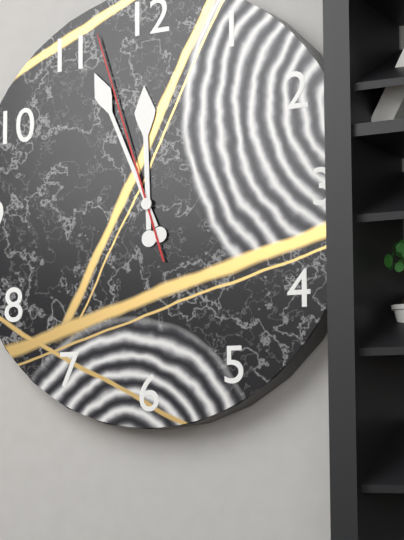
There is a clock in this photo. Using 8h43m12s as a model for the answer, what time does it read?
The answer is 11h56m57s
